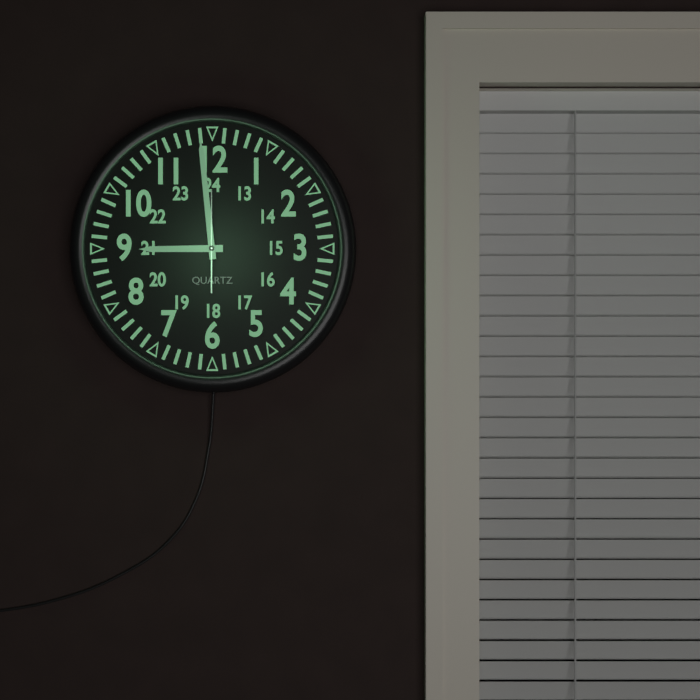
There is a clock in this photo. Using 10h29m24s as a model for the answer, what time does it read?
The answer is 8h59m00s
